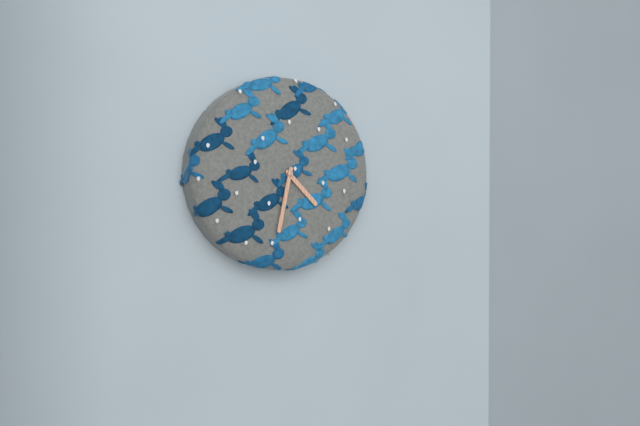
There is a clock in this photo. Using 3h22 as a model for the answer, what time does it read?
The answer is 4h32
